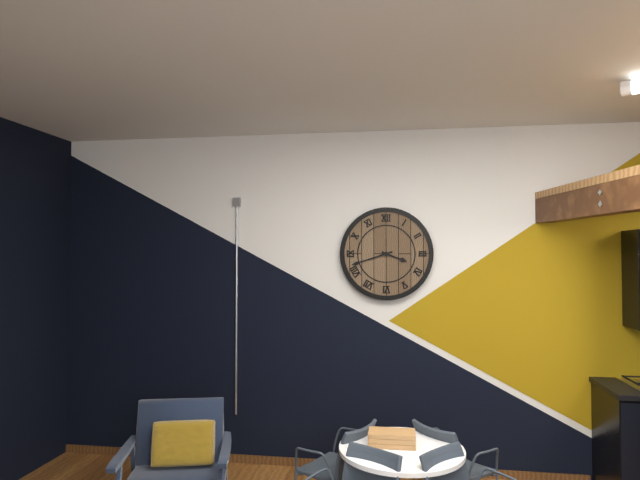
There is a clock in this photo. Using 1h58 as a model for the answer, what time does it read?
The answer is 3h42
